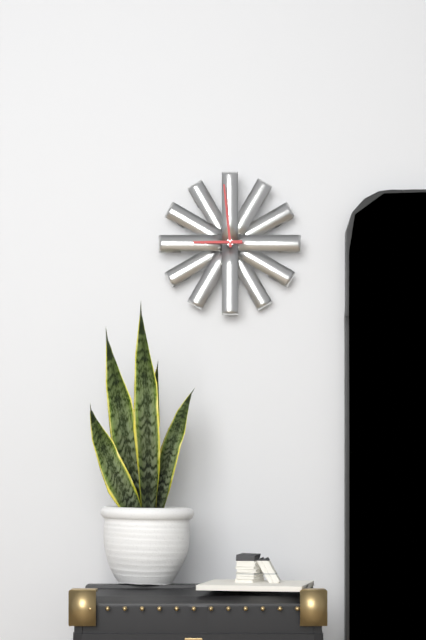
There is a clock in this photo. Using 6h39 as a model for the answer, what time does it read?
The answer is 8h59
